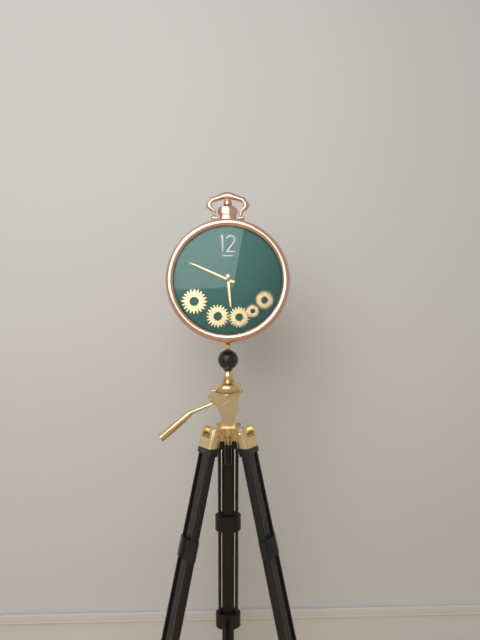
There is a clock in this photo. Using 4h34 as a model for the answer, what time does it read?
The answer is 5h49
